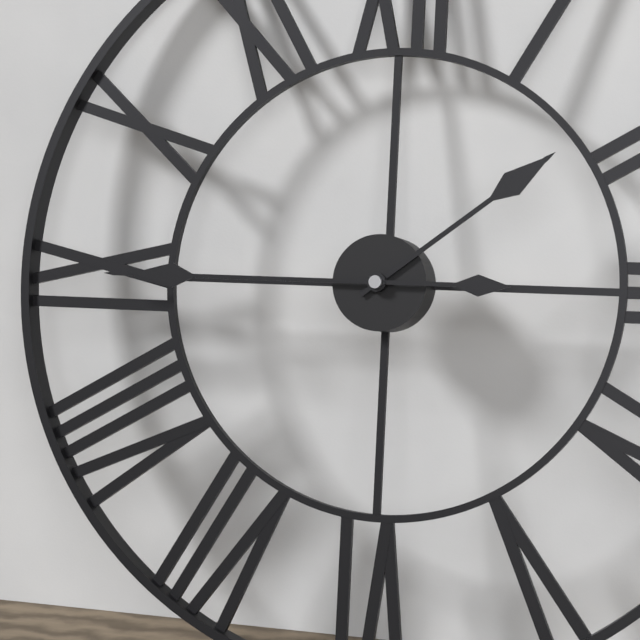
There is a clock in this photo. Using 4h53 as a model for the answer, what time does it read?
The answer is 1h45
